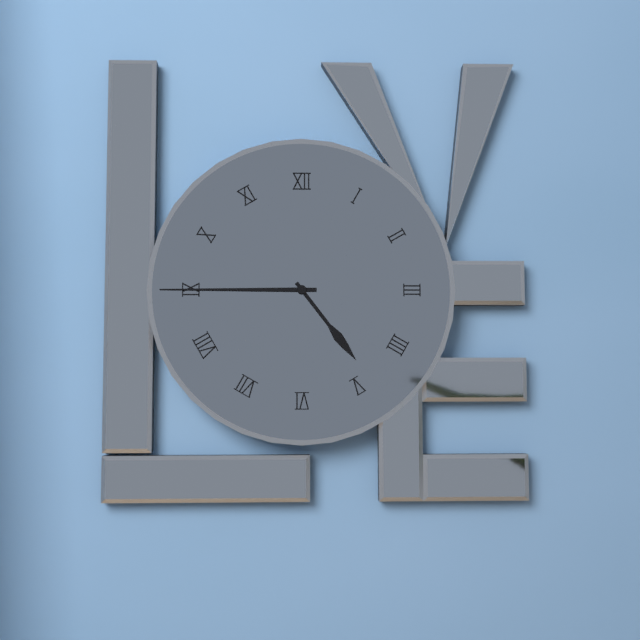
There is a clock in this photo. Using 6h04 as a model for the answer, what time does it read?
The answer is 4h45
